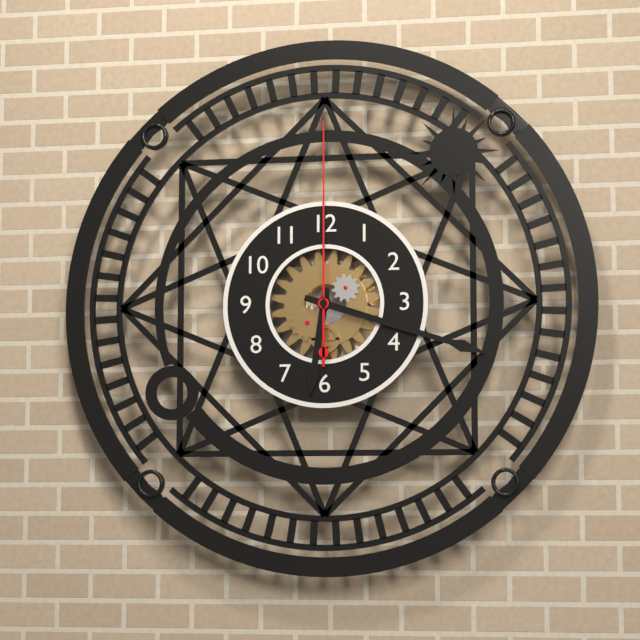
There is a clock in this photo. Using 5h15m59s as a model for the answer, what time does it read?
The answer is 6h18m00s
